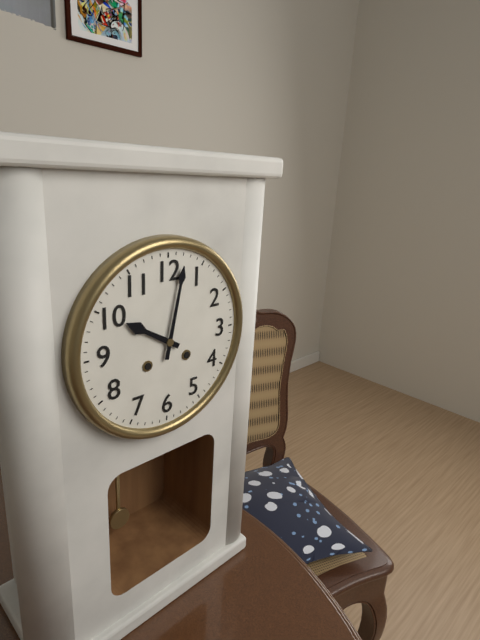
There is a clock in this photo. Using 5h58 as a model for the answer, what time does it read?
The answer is 10h02
